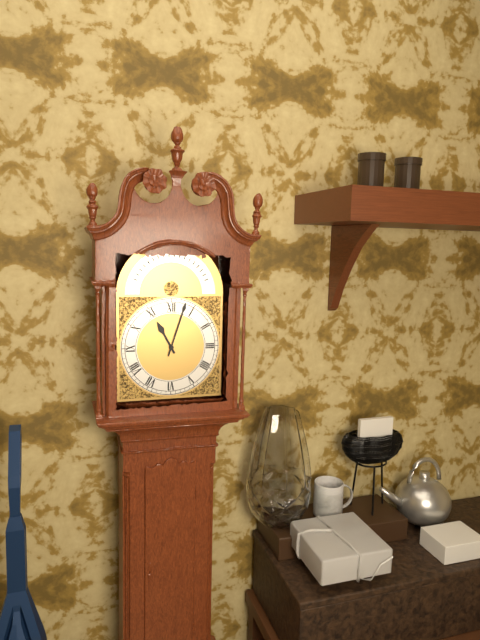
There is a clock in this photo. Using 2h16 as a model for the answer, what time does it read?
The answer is 11h03
